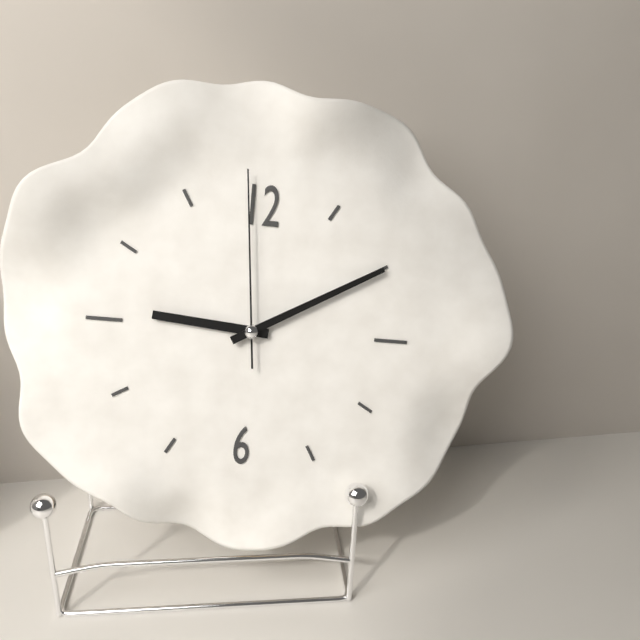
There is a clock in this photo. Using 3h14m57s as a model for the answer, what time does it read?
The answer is 9h10m59s
